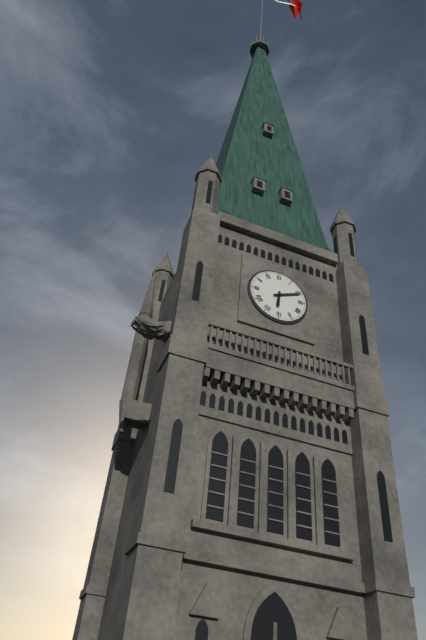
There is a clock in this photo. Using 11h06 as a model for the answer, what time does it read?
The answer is 6h11
